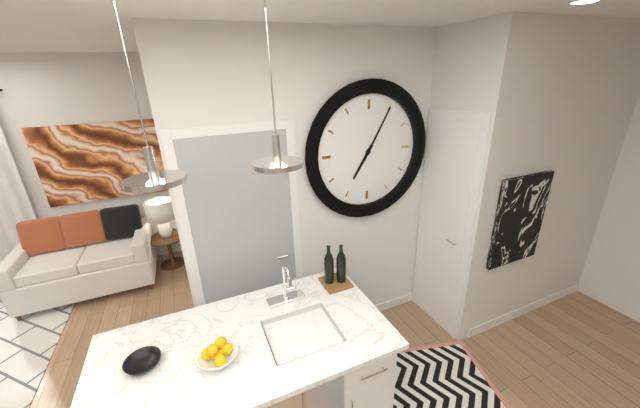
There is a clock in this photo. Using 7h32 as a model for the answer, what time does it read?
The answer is 7h05
